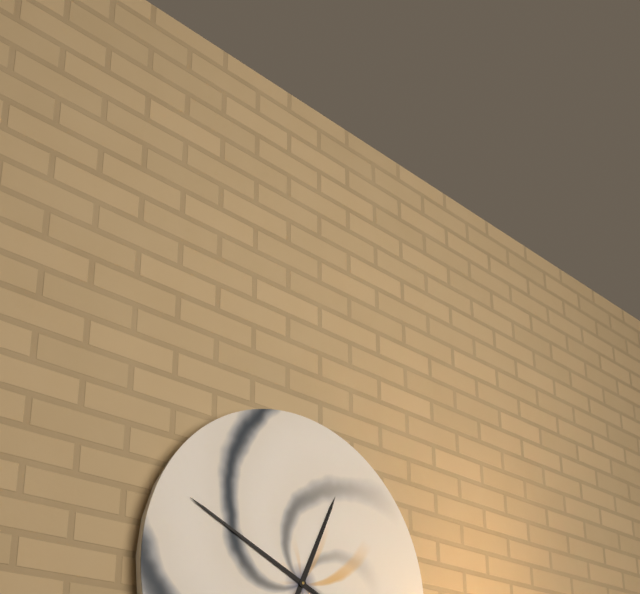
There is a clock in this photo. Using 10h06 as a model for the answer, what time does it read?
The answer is 12h49
